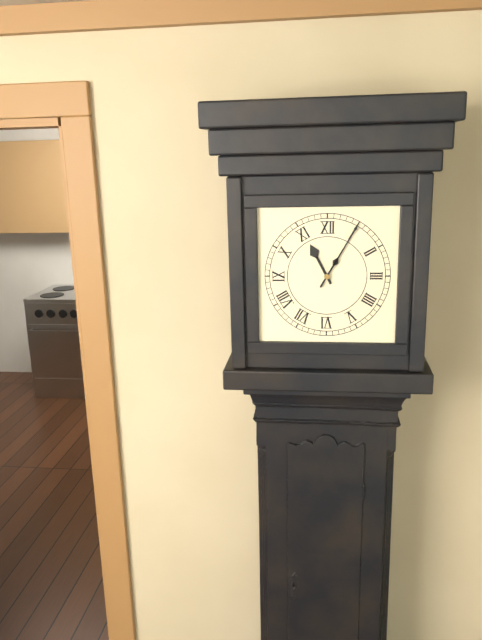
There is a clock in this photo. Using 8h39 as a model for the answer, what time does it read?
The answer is 11h05
